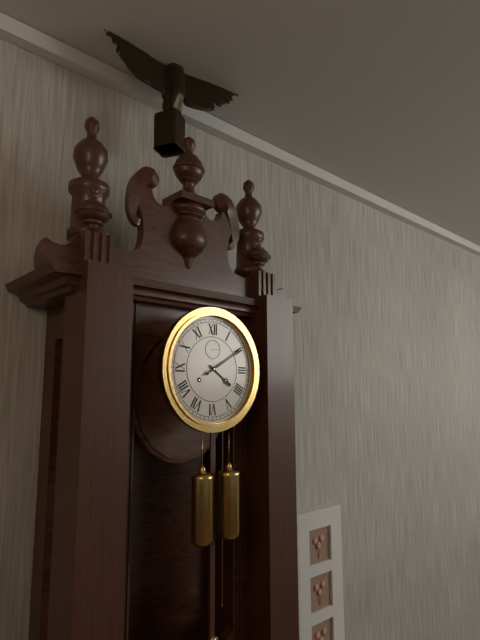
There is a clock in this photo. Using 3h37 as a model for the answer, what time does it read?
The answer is 4h10
